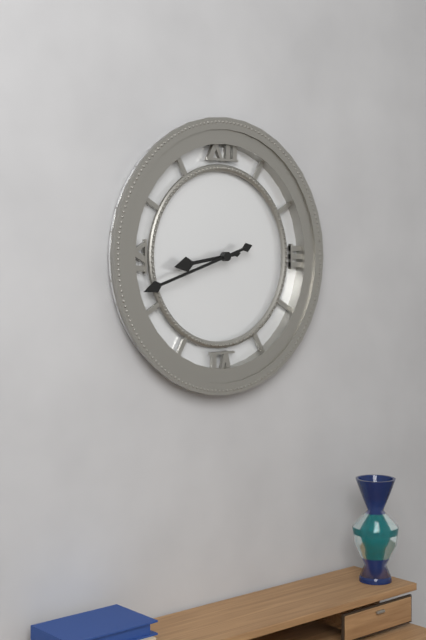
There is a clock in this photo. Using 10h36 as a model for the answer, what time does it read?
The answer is 8h42
